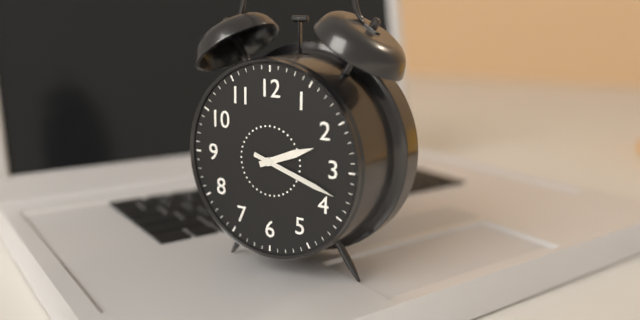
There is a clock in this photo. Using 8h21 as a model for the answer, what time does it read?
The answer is 2h18
